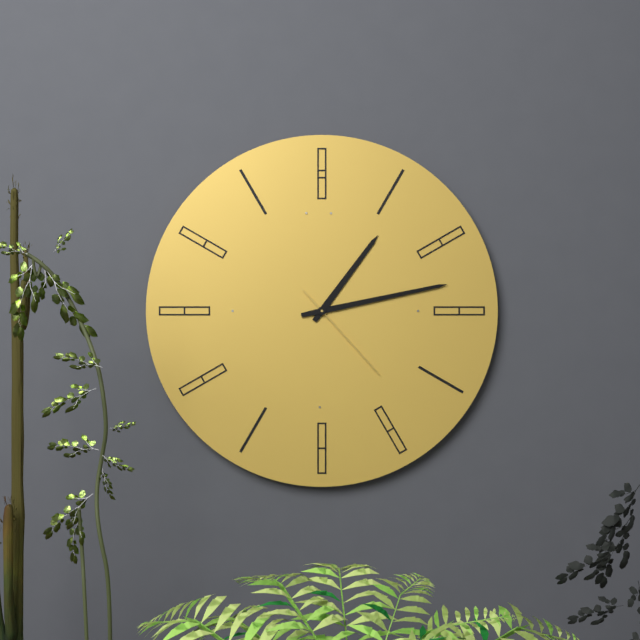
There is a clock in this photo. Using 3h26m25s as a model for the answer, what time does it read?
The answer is 1h13m23s
